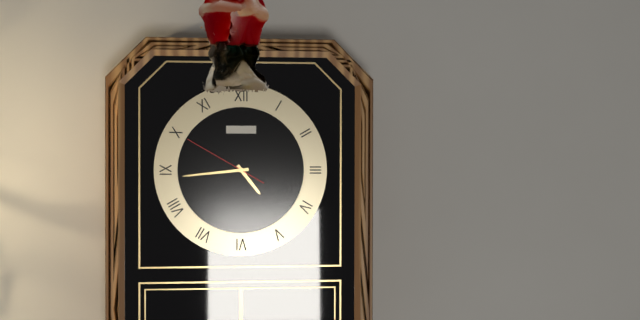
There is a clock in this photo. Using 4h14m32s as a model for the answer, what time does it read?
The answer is 4h44m50s
